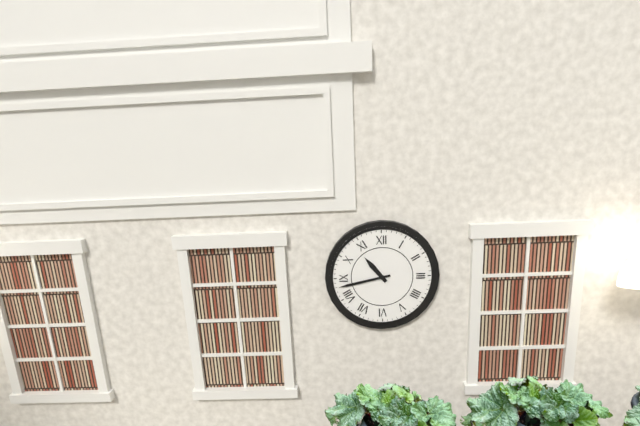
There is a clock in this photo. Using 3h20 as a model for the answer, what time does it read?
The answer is 10h43
